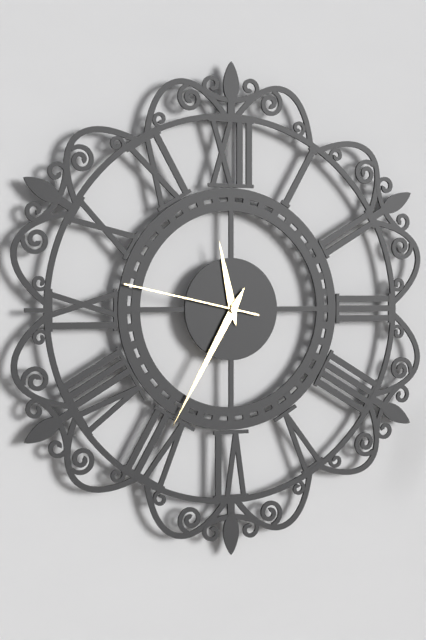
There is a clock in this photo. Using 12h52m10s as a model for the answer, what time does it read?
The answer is 11h35m47s
